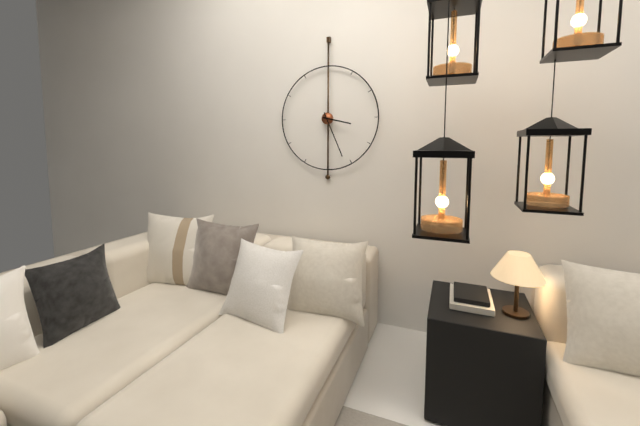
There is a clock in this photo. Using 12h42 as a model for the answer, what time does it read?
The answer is 3h26
